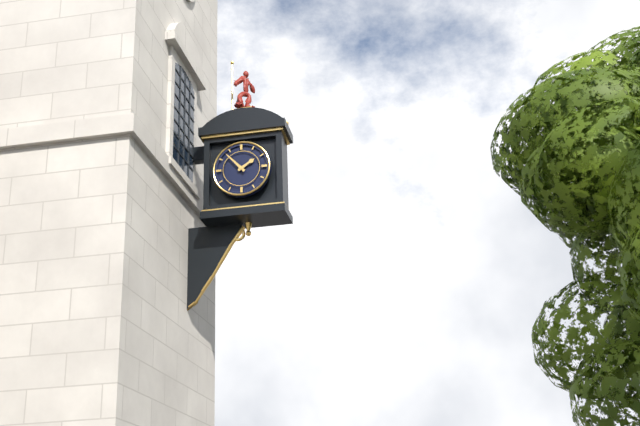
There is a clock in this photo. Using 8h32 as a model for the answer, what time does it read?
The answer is 1h53
